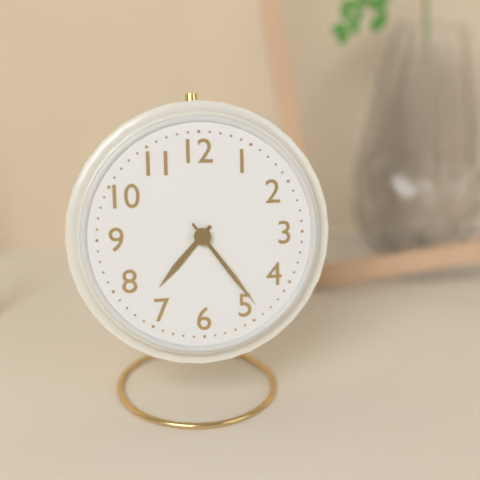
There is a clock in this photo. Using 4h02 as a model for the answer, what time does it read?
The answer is 7h24
